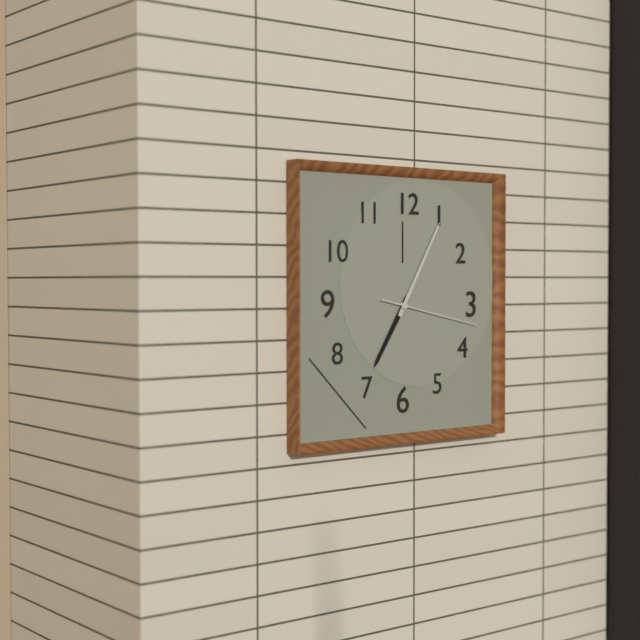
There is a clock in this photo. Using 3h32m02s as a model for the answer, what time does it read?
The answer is 7h05m17s
